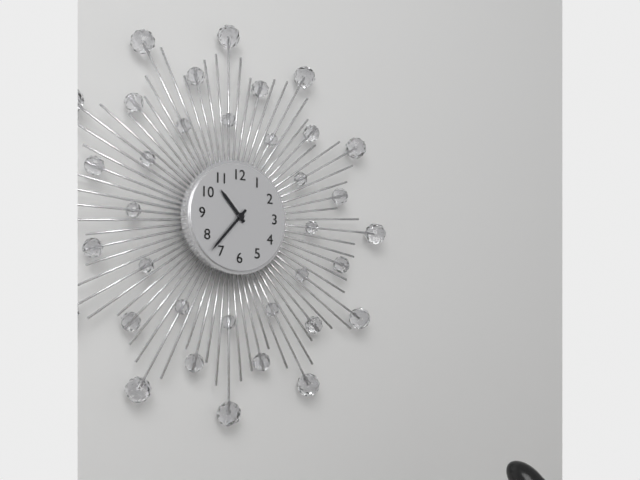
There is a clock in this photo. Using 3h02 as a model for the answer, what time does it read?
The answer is 10h37
